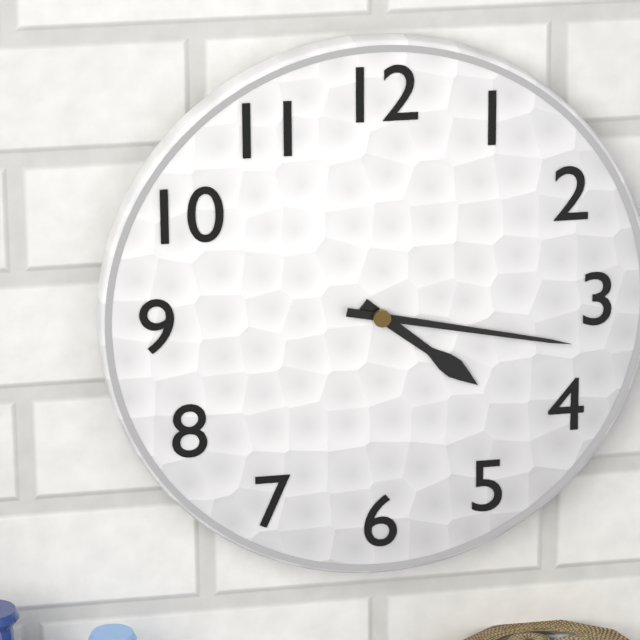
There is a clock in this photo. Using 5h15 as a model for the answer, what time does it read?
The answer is 4h17
